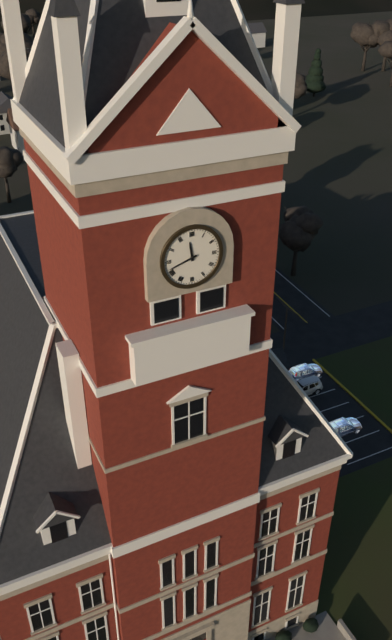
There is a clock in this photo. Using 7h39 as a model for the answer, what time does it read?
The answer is 11h42
